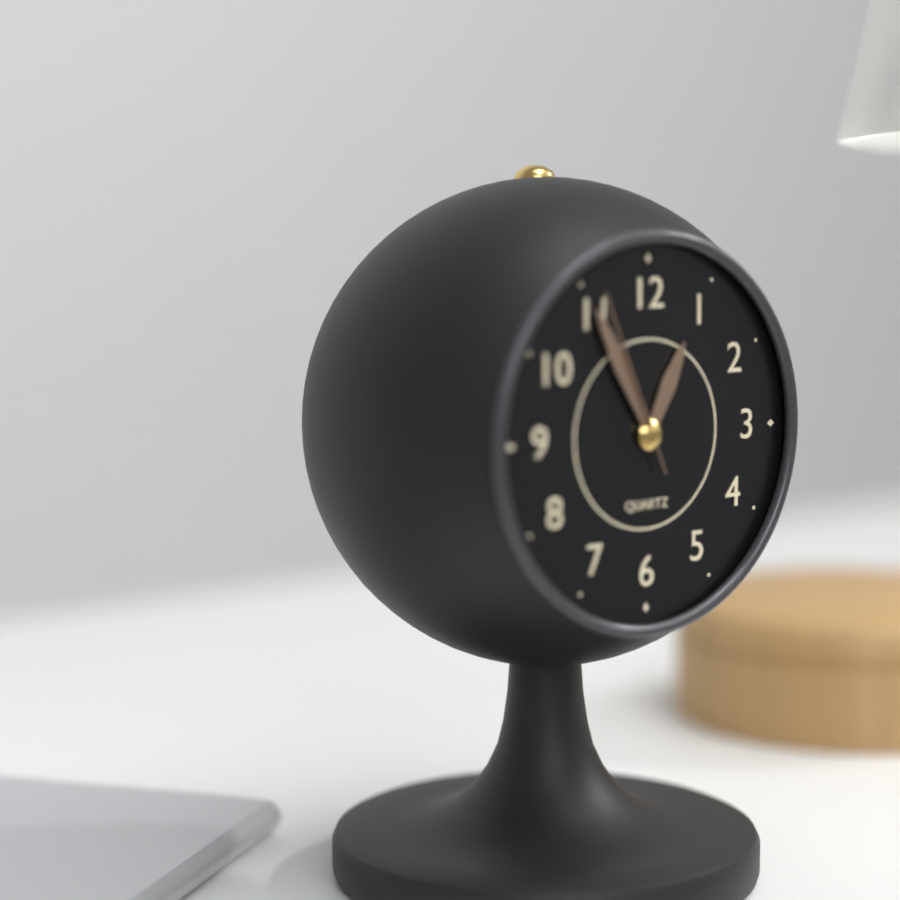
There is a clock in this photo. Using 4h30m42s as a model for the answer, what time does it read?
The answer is 12h55m56s
